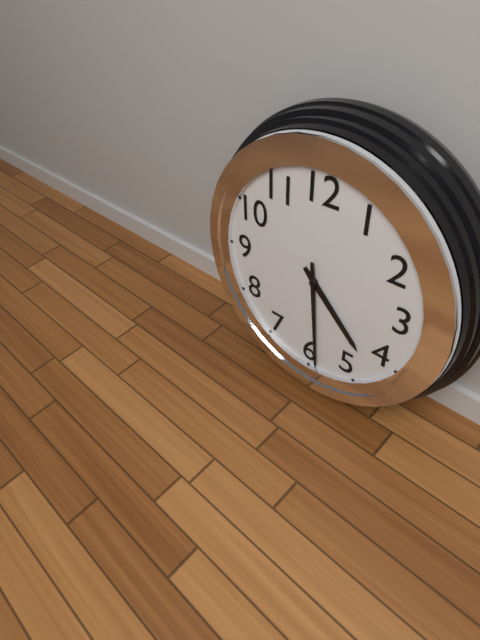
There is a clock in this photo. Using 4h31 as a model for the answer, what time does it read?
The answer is 4h29
